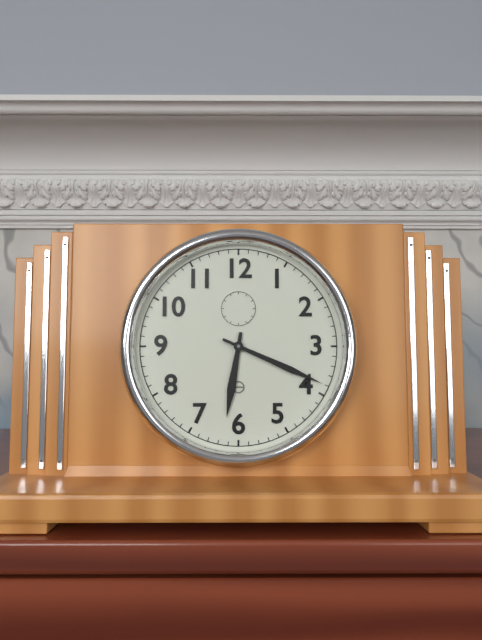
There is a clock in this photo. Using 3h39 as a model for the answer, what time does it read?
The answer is 6h19
